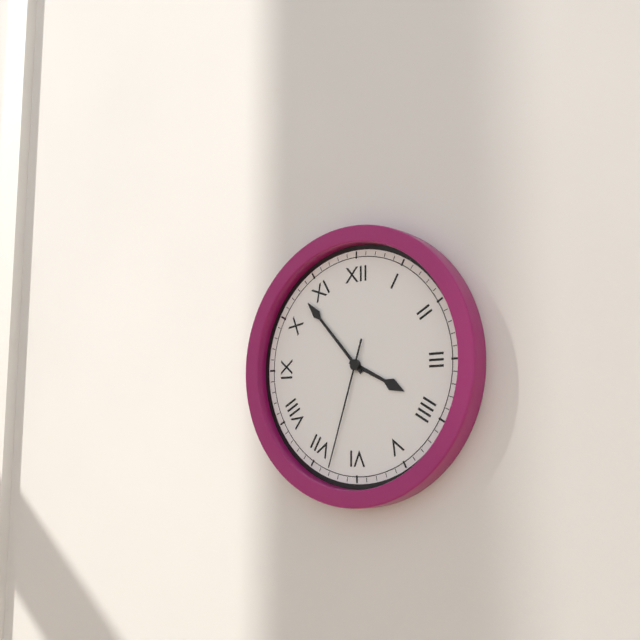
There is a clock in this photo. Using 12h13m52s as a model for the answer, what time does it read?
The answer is 3h53m33s
